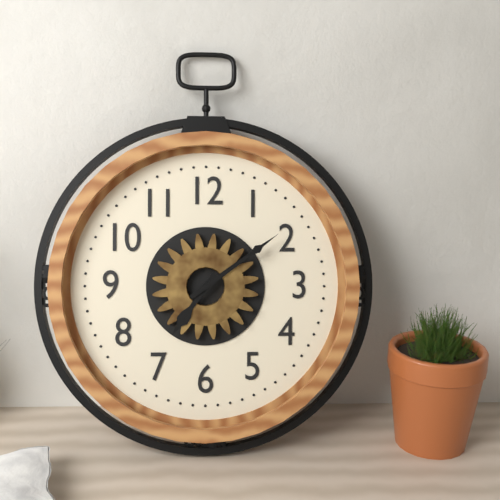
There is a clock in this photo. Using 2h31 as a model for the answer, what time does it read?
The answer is 7h09
